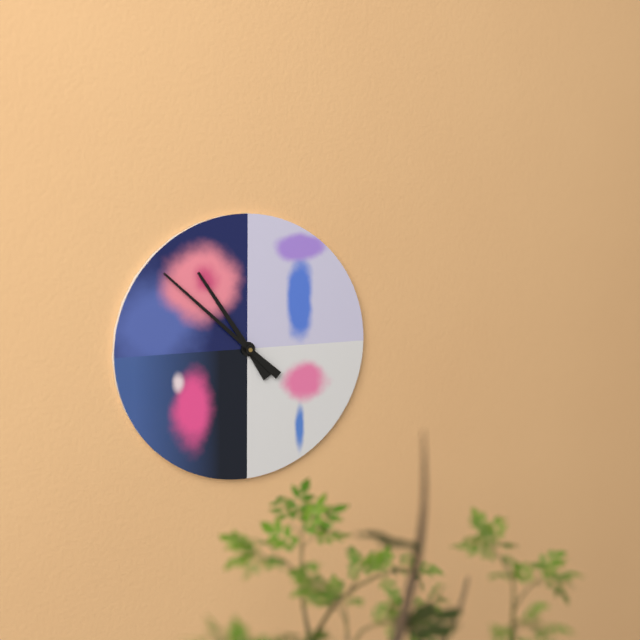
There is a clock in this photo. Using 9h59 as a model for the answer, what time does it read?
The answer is 10h52
